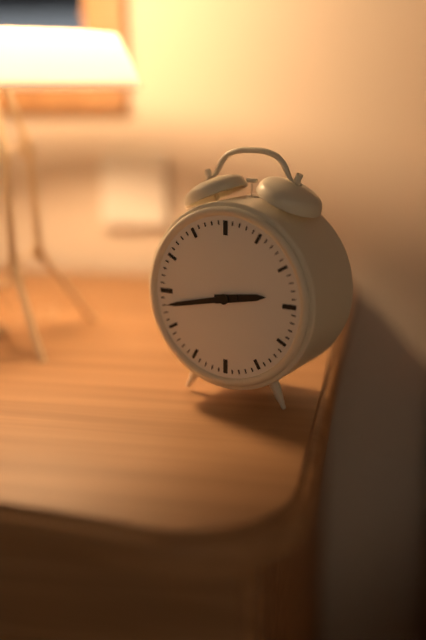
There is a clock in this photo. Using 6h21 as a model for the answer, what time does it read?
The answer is 2h43
